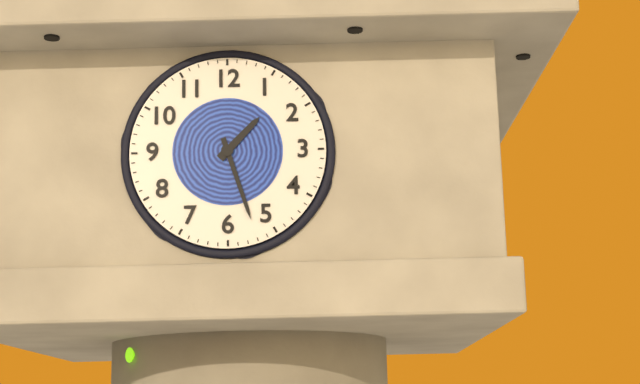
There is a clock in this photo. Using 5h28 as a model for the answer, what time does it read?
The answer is 1h27
